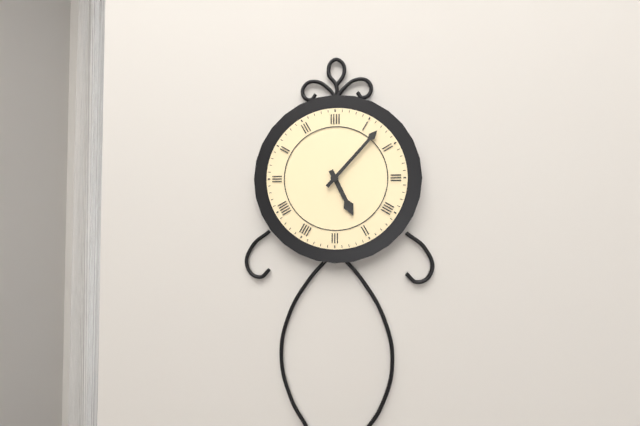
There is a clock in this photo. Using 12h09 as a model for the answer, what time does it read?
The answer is 5h07
